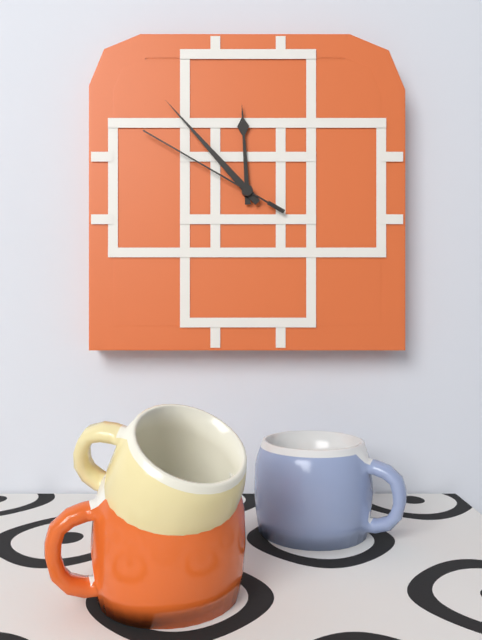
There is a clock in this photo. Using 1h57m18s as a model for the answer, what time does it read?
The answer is 11h53m50s
